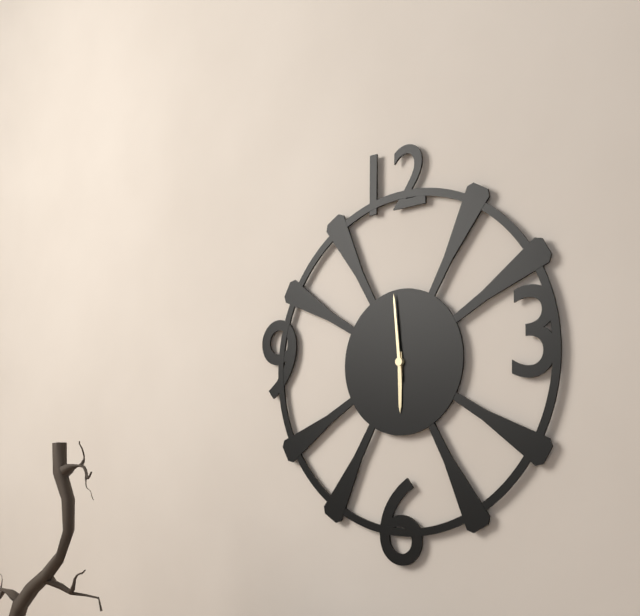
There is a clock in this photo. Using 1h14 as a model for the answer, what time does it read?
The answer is 5h59
